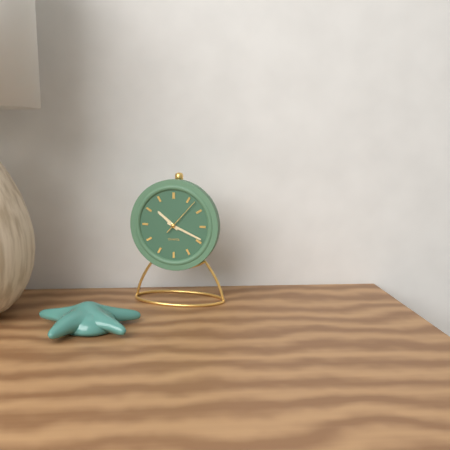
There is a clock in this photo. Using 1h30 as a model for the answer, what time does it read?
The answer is 10h19
